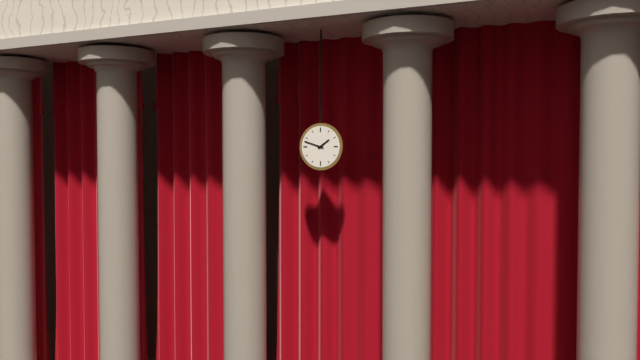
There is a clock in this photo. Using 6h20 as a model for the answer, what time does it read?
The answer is 1h48
